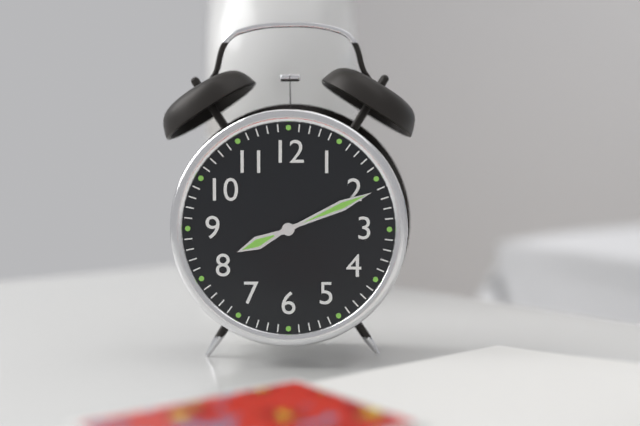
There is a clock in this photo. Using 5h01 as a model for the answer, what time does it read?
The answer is 8h11
